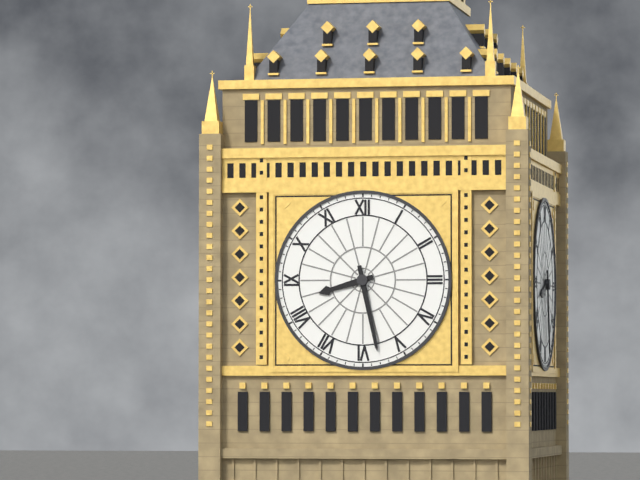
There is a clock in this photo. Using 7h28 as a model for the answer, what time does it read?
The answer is 8h28
